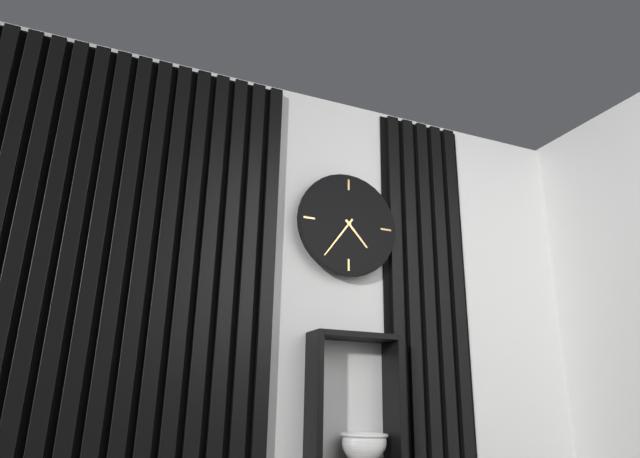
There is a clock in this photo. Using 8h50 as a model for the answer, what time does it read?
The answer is 4h36
